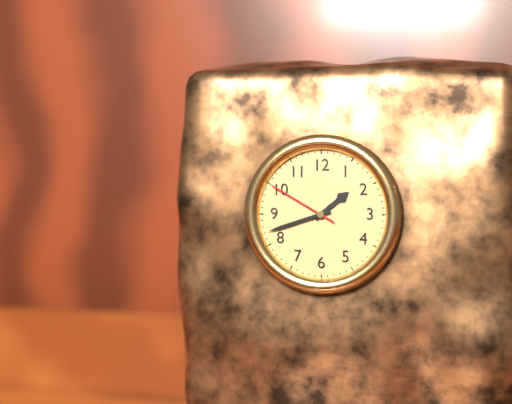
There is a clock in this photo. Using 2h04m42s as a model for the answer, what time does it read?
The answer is 1h42m50s
